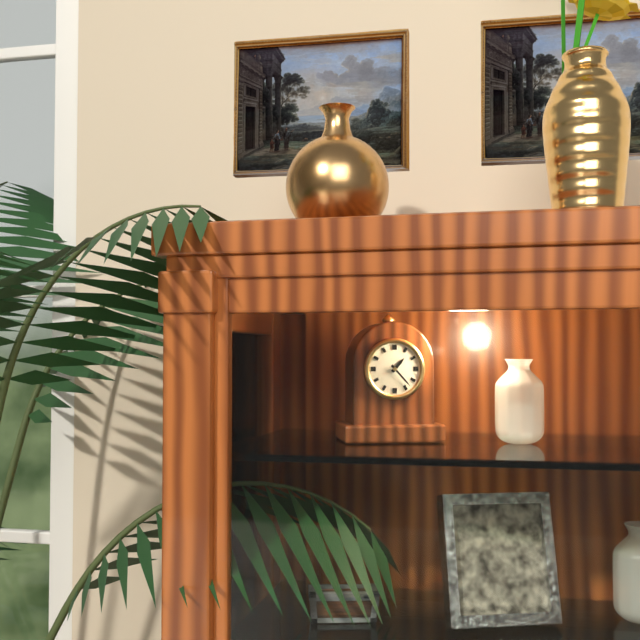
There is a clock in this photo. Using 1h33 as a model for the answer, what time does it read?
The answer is 1h23
